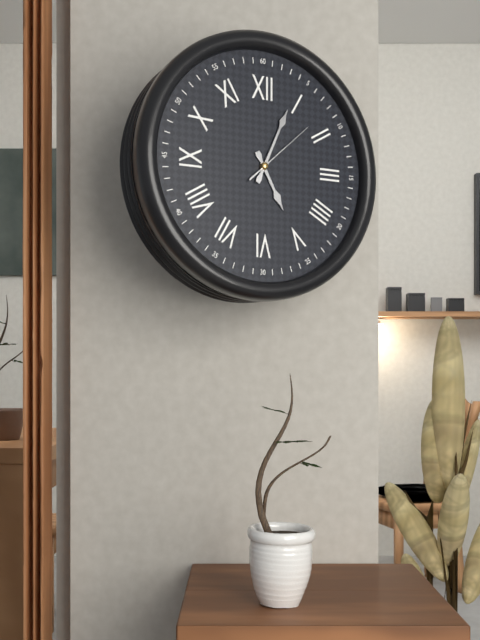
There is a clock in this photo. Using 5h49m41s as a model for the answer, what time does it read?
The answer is 5h04m08s
